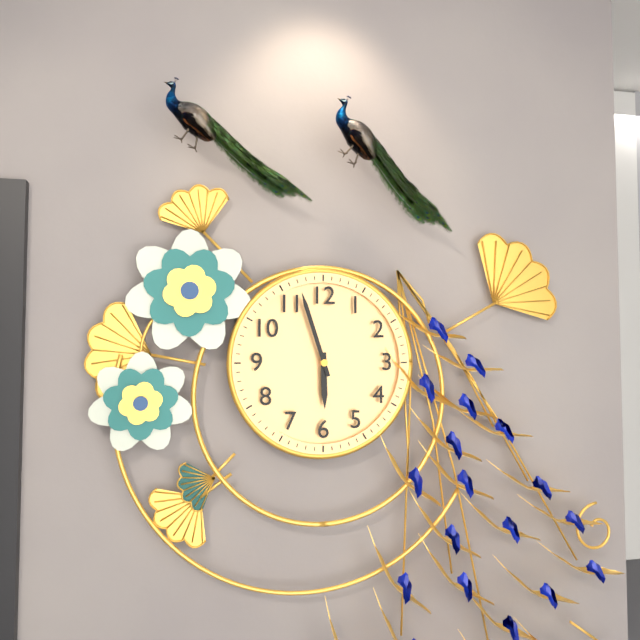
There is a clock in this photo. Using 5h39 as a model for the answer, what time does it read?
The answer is 5h57
